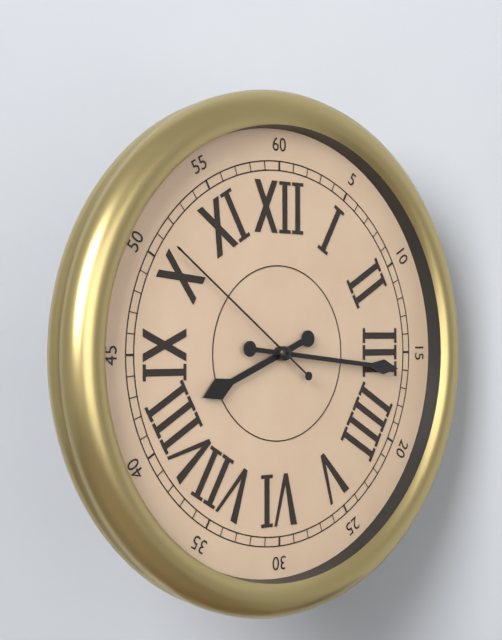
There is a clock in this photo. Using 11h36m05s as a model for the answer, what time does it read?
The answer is 8h16m51s
